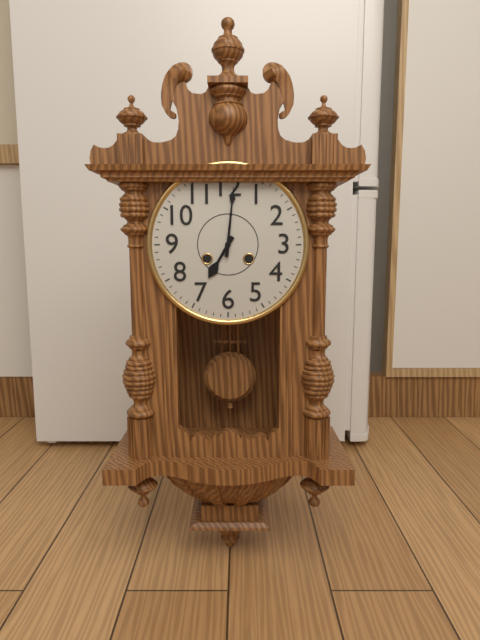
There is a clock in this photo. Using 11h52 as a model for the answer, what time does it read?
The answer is 7h01
